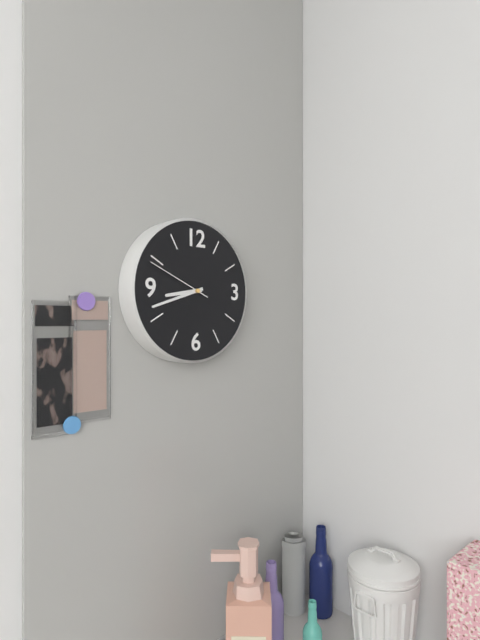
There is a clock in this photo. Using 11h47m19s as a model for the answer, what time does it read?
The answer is 8h42m49s
